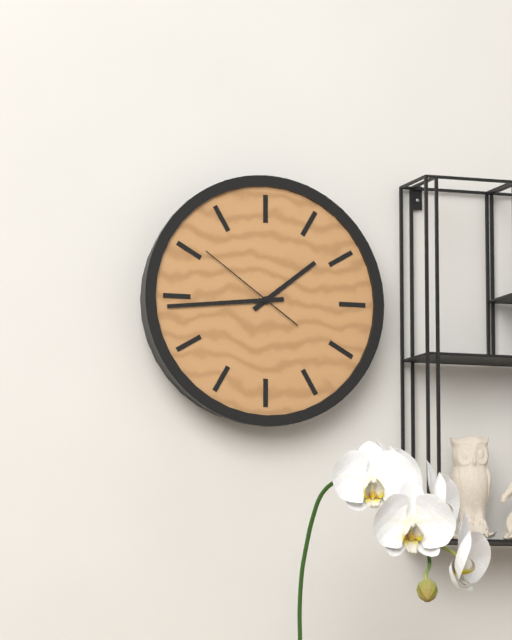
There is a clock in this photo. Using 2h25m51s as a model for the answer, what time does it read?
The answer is 1h44m51s
